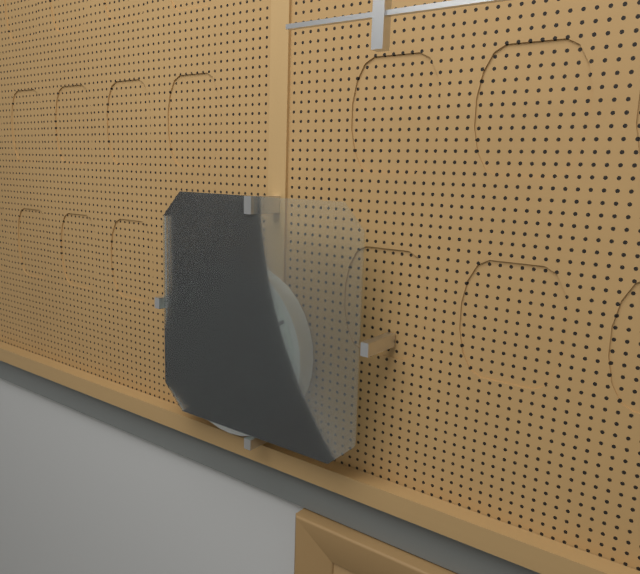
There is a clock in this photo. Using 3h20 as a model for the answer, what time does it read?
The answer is 9h27
